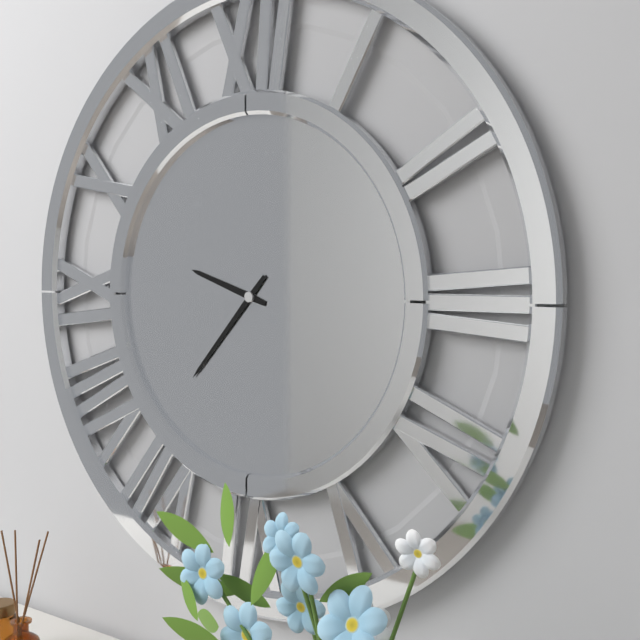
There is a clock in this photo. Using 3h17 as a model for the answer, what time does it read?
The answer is 9h37
